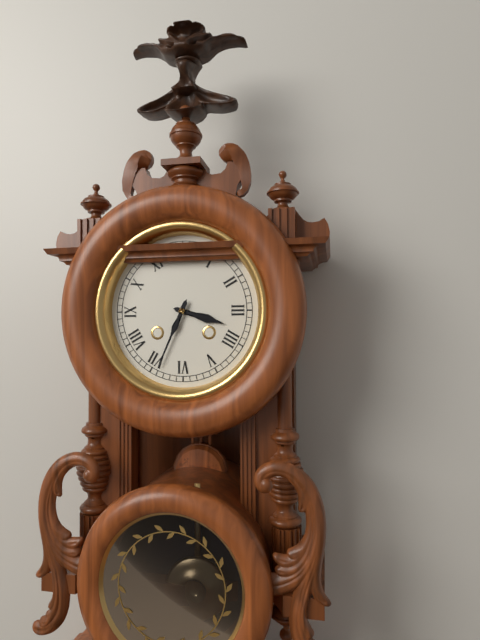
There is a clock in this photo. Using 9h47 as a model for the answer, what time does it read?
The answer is 3h34
